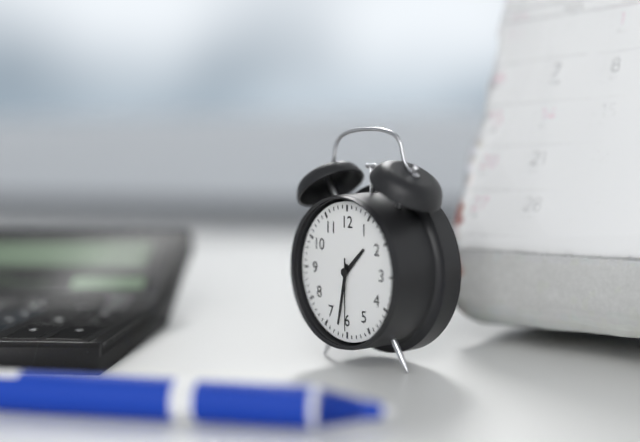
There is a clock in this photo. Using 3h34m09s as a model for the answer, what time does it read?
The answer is 1h32m30s
